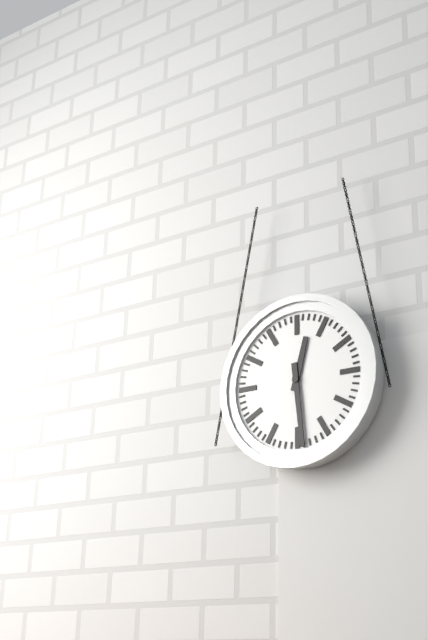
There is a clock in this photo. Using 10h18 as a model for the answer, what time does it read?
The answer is 12h29
